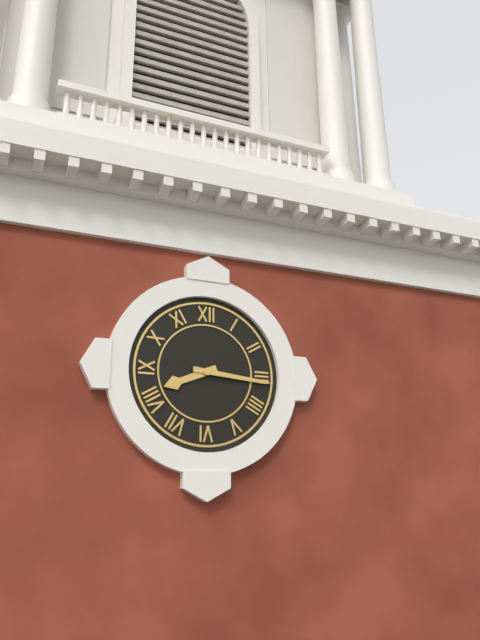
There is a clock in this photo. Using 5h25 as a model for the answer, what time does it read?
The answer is 8h16
